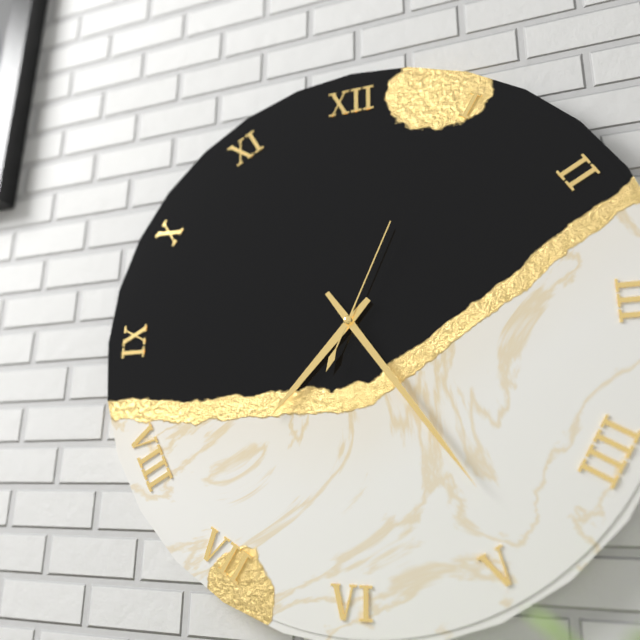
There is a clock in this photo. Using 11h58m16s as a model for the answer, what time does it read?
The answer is 7h24m04s
